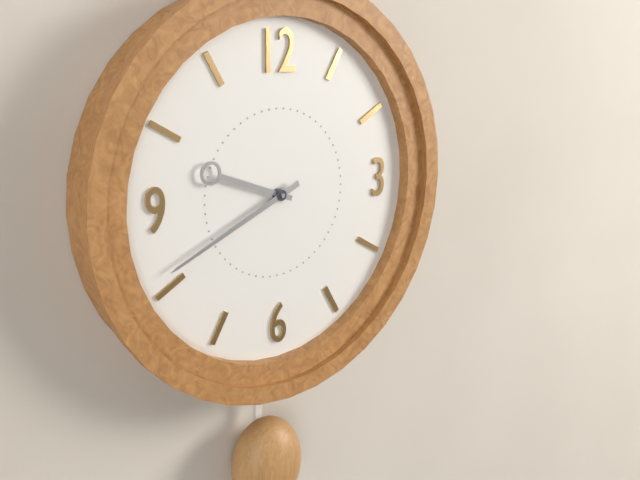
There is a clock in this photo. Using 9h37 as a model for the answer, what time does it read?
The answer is 9h41
